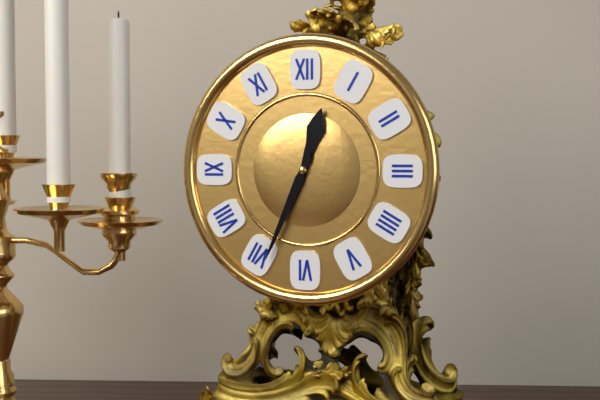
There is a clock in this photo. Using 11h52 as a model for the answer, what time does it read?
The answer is 12h34
